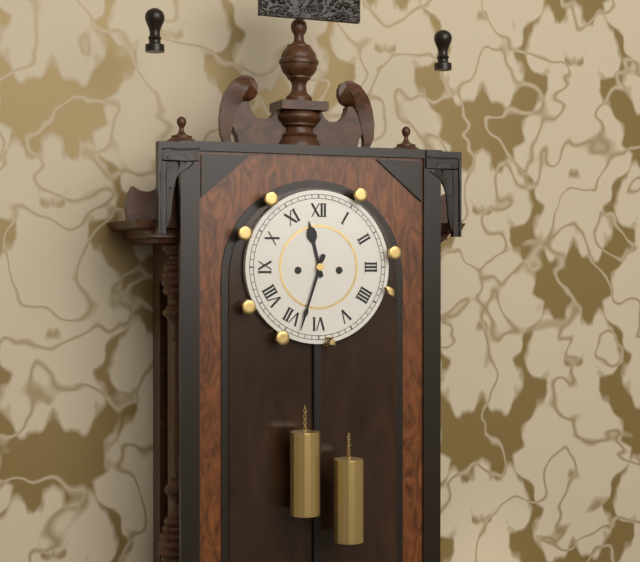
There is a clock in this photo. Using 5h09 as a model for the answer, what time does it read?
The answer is 11h33
